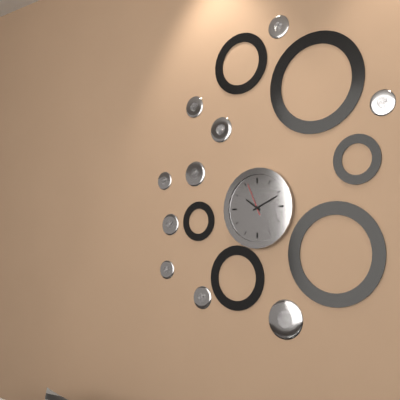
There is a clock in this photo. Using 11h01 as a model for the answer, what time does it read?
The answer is 10h11
